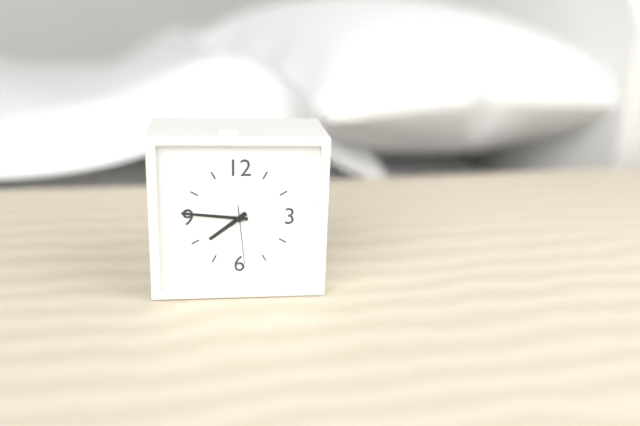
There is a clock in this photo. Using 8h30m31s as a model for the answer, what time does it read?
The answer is 7h46m29s
